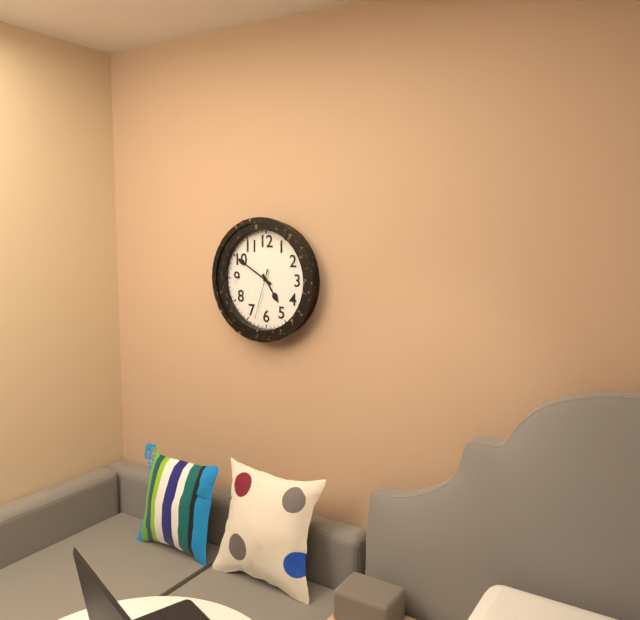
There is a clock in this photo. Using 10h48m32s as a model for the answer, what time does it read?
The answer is 4h50m33s
